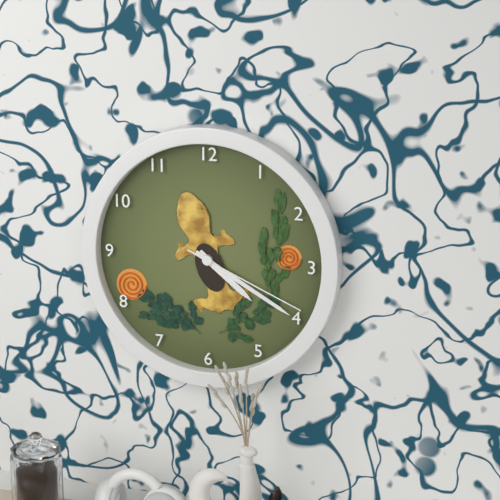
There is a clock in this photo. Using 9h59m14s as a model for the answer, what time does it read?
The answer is 4h20m19s
